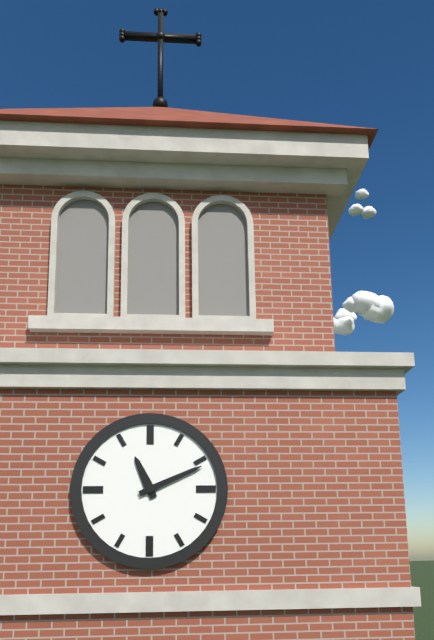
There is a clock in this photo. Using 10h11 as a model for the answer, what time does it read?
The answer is 11h11
